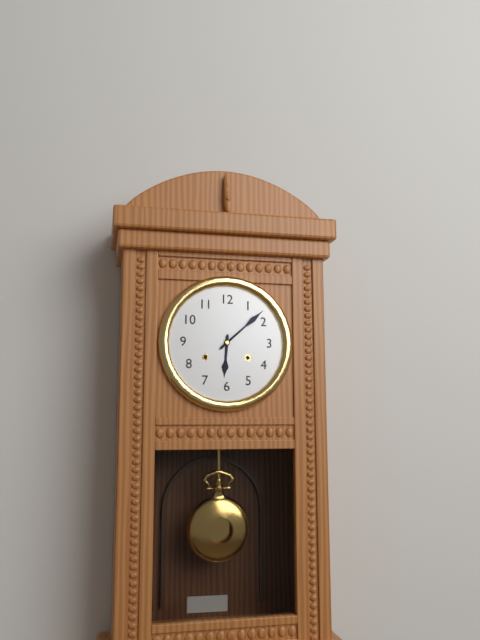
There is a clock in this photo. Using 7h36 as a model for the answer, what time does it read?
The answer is 6h08
